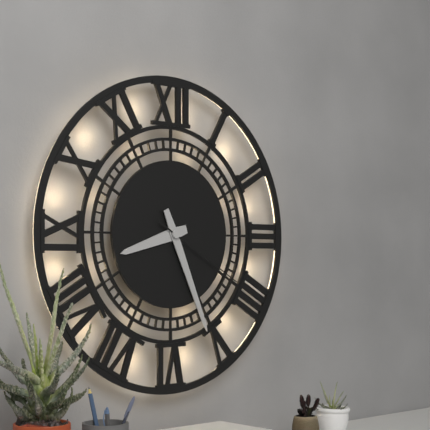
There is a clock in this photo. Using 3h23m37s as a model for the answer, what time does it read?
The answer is 8h26m20s
